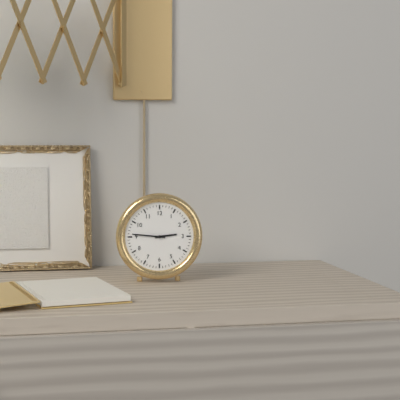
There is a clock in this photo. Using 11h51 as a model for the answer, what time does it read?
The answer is 2h46
